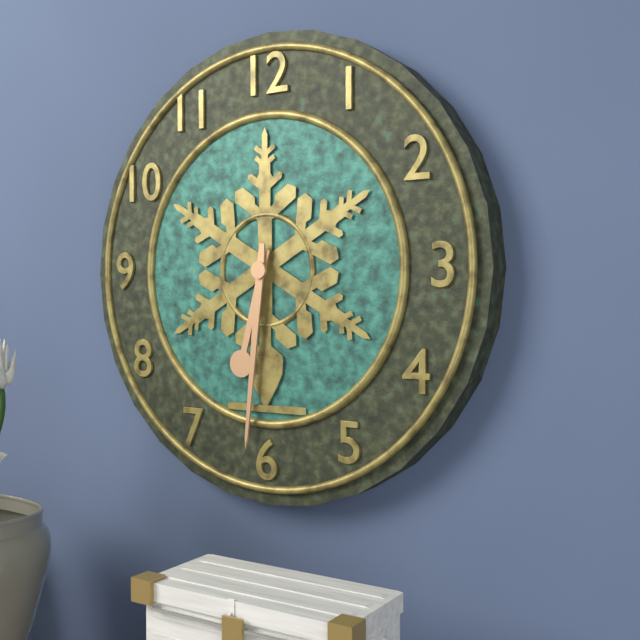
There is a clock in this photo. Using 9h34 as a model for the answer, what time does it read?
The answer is 6h31
